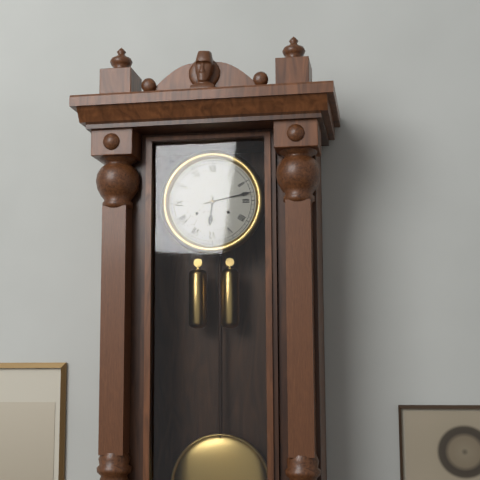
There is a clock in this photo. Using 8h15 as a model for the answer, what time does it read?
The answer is 6h13
